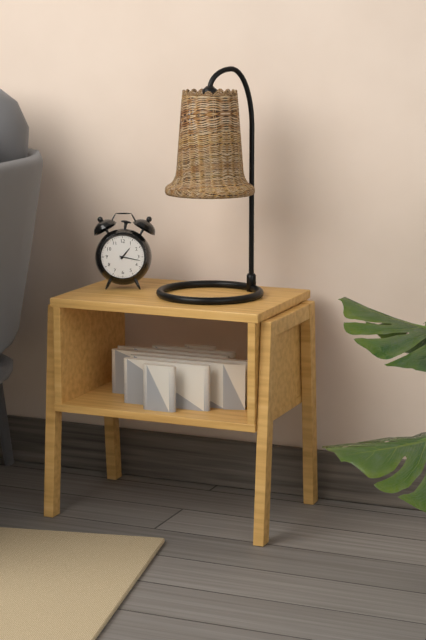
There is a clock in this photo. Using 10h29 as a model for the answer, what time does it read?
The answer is 1h17
